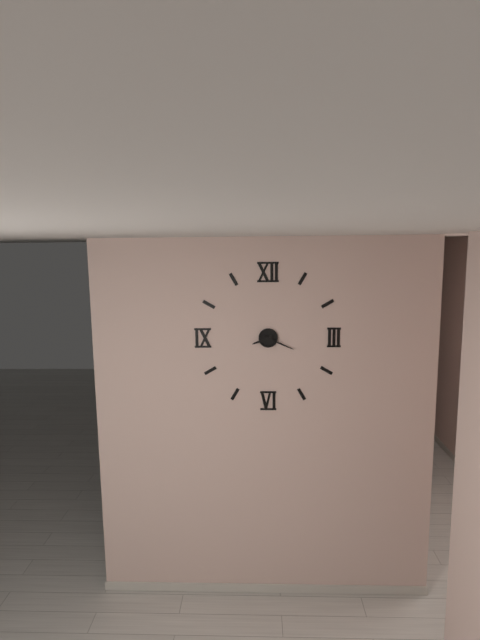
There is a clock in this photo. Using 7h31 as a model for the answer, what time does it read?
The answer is 8h19
